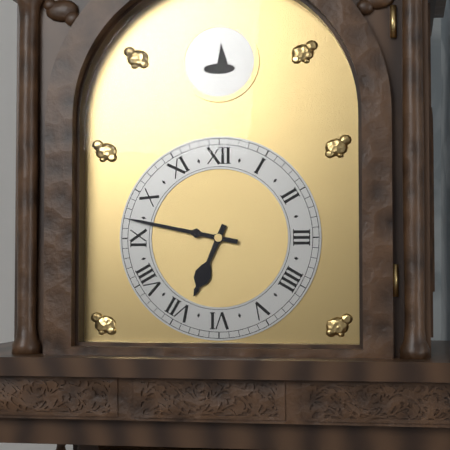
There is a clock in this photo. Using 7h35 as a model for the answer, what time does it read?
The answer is 6h47
